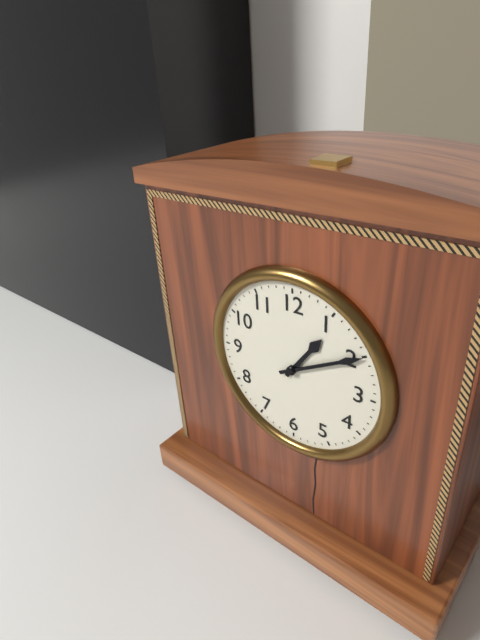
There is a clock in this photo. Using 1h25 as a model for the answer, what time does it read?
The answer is 1h10
